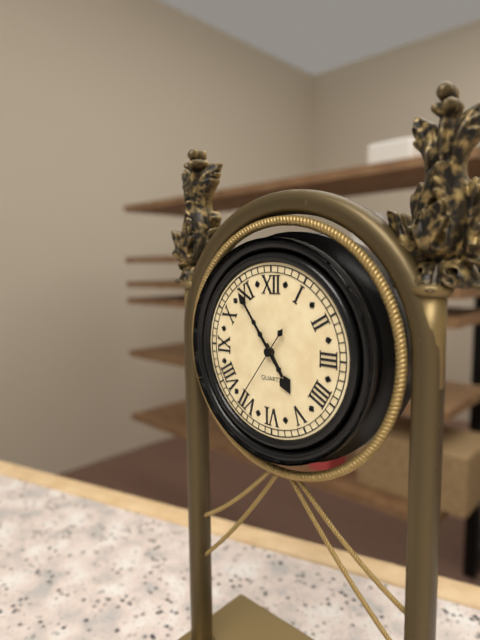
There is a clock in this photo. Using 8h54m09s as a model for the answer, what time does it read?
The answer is 4h54m36s
